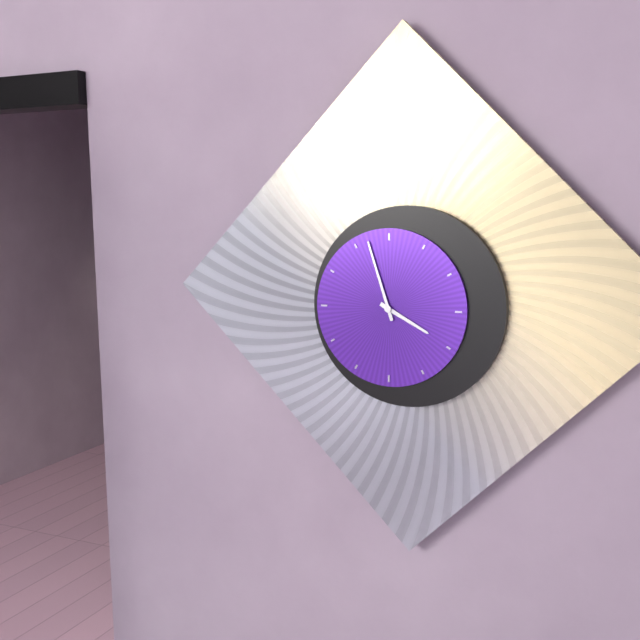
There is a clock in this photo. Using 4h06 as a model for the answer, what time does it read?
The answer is 3h57
